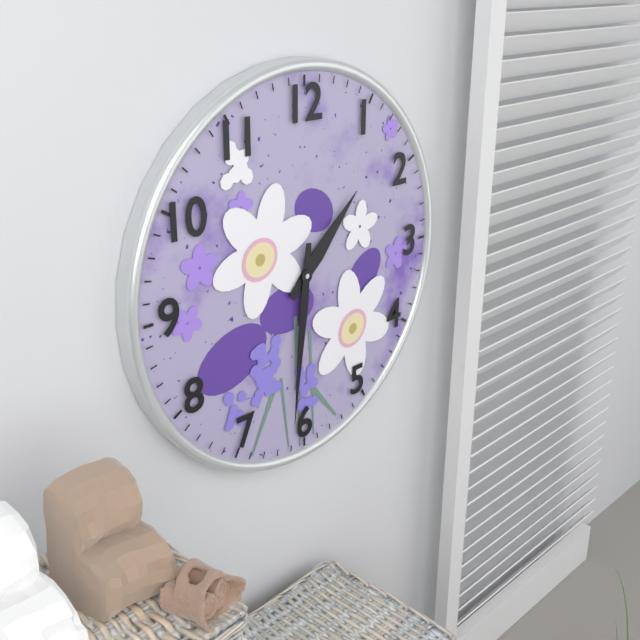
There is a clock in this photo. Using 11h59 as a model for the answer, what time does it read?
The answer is 1h31
